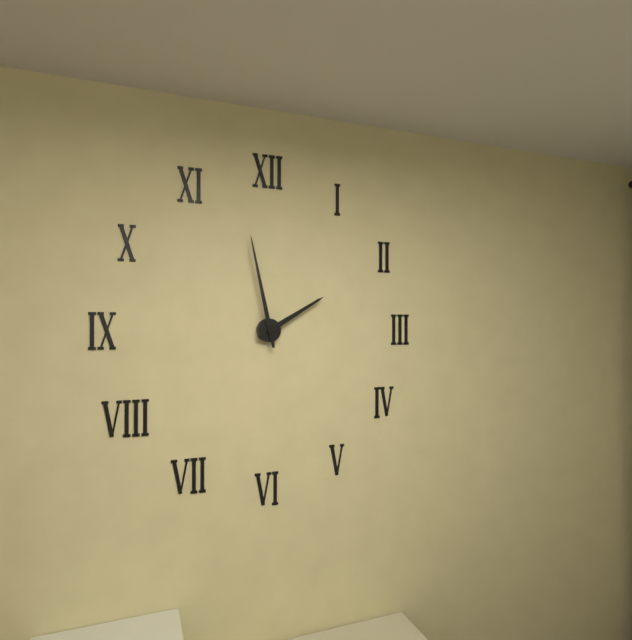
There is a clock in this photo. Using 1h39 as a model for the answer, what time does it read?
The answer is 1h58
